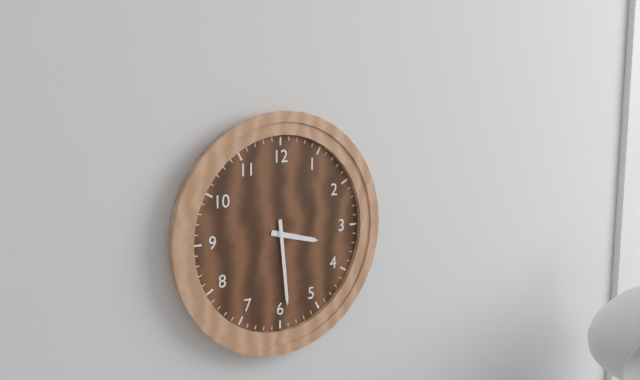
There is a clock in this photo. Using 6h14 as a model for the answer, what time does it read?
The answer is 3h29
